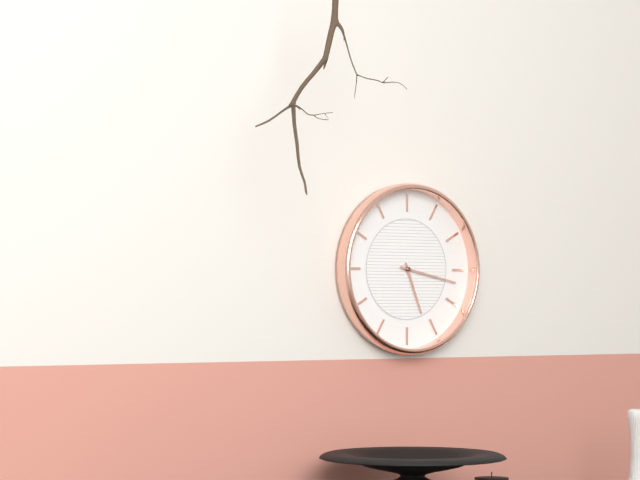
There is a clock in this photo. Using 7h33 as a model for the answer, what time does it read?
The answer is 5h17
